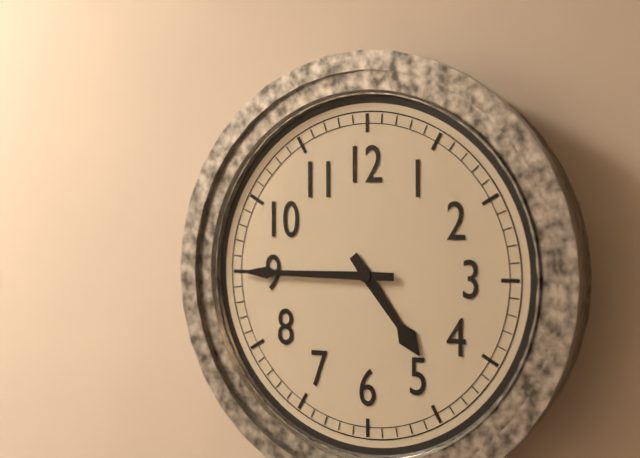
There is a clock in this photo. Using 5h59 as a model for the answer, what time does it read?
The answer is 4h45
